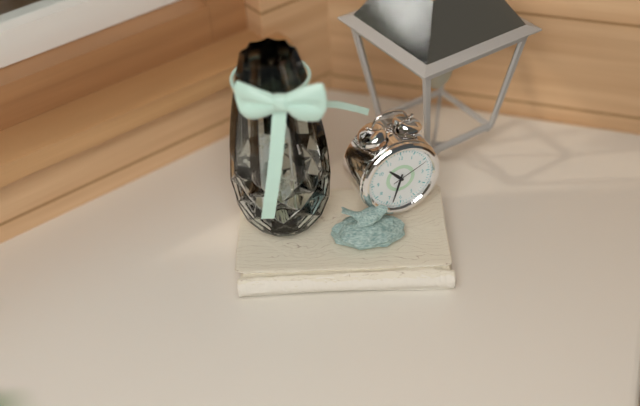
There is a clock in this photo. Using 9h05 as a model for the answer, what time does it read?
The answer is 10h33
